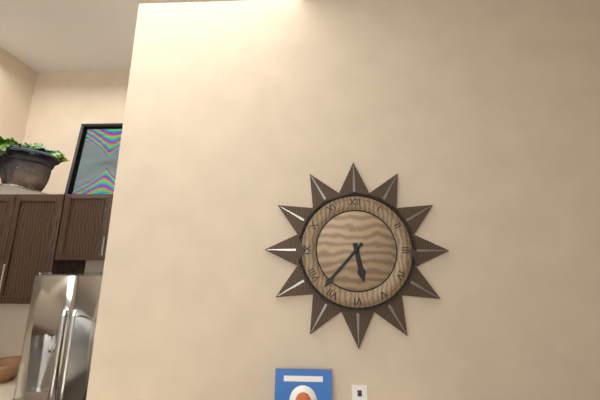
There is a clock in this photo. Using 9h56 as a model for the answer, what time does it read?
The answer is 5h37
